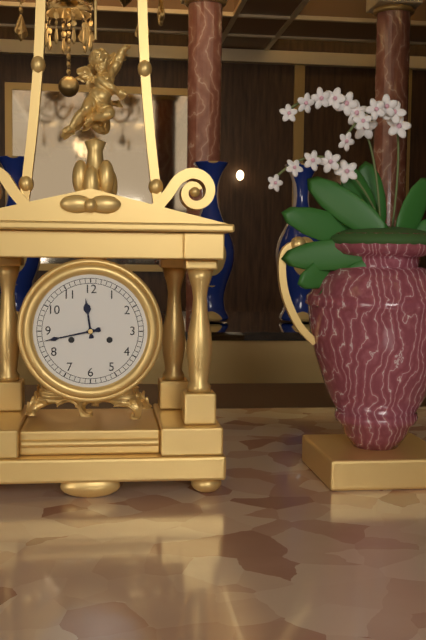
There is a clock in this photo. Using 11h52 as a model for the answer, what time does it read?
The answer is 11h43
